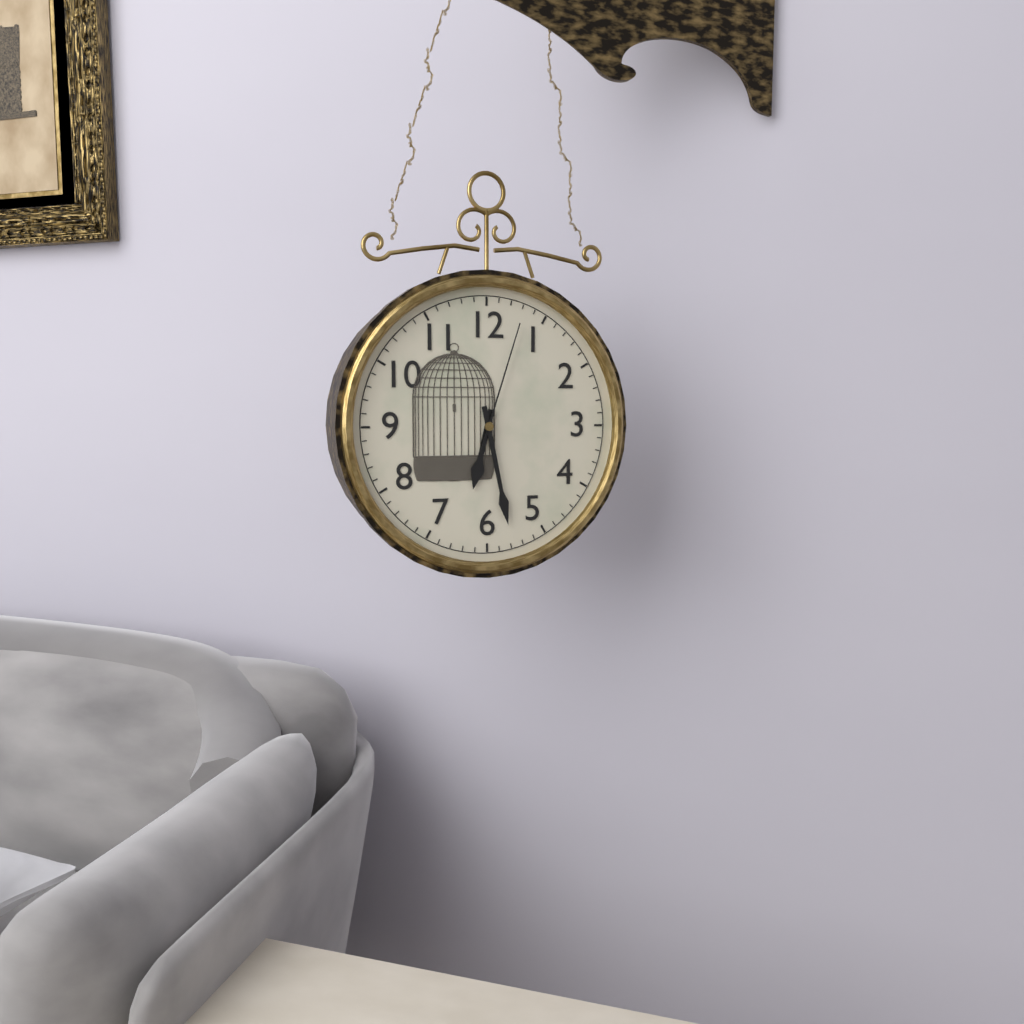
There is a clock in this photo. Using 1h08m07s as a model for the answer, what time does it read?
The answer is 6h28m03s
